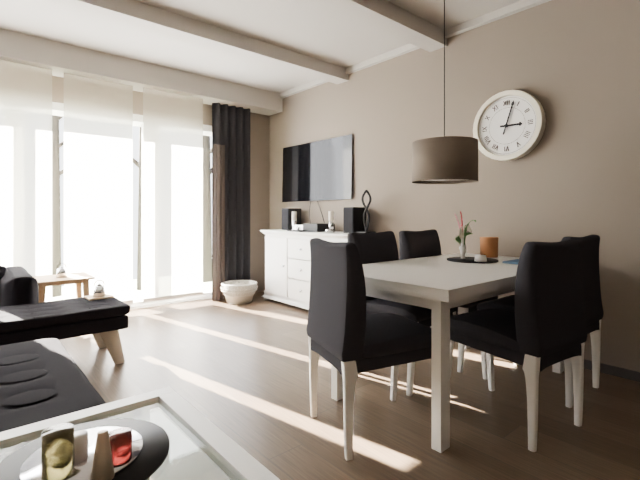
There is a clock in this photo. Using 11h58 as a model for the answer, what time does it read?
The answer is 3h03
